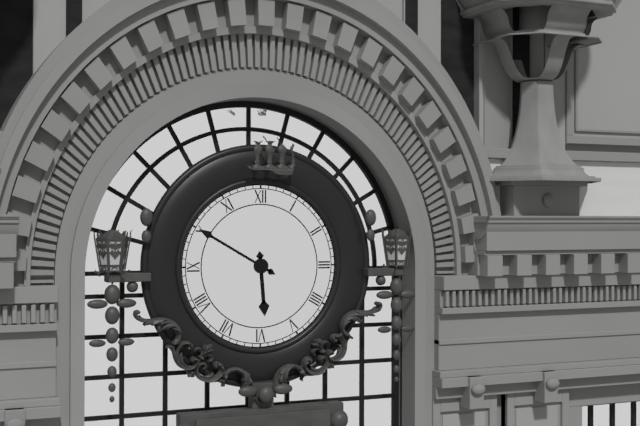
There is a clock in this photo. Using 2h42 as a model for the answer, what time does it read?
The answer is 5h50
